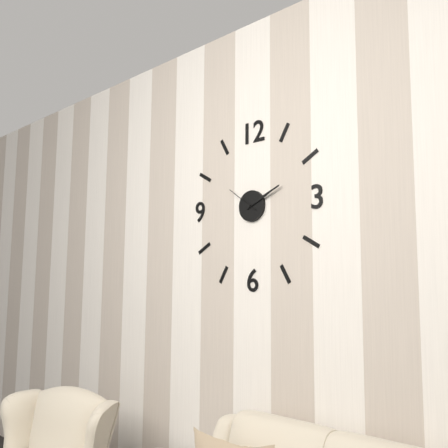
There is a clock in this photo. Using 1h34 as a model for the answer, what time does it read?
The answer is 2h11
